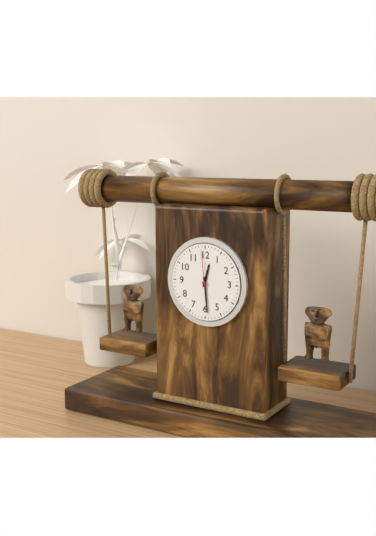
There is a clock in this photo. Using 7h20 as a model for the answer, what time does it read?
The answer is 12h29
